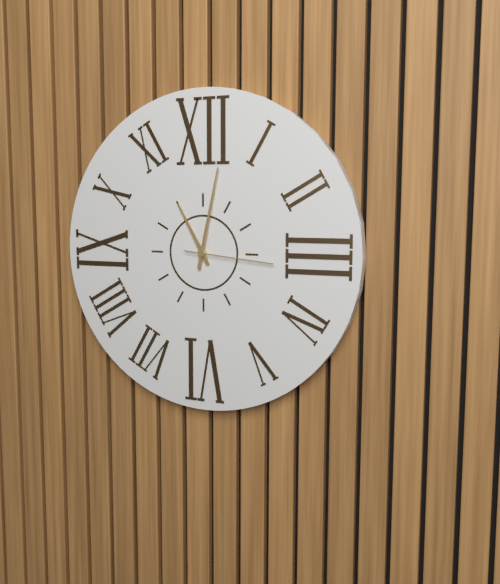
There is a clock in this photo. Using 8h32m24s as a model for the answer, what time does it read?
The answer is 11h02m16s
